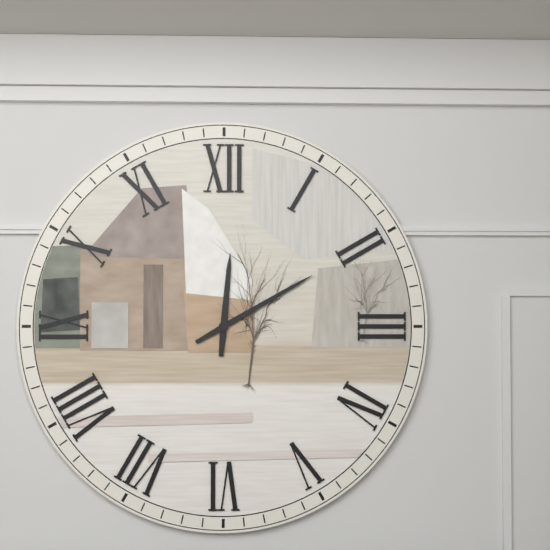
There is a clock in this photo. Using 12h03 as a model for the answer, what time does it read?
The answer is 12h10
